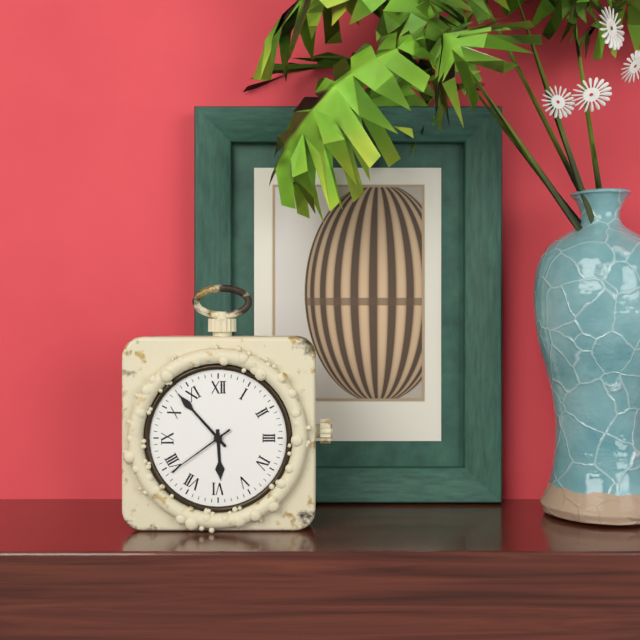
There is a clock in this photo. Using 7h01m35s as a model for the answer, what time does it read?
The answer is 5h53m39s
